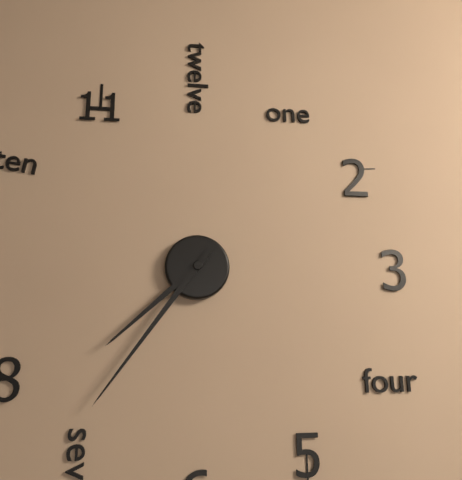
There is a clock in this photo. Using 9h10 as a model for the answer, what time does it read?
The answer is 7h36
